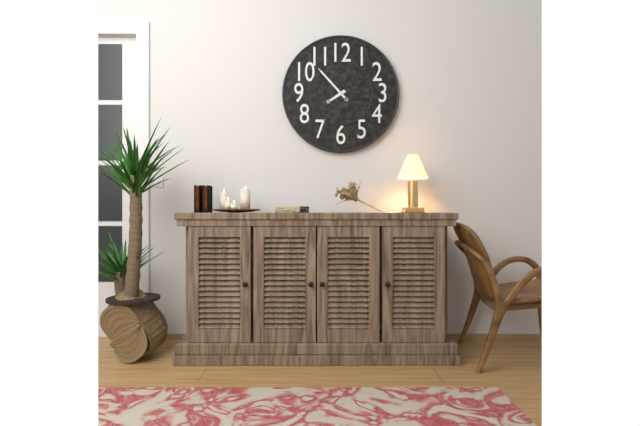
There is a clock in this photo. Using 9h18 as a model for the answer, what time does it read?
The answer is 7h53
